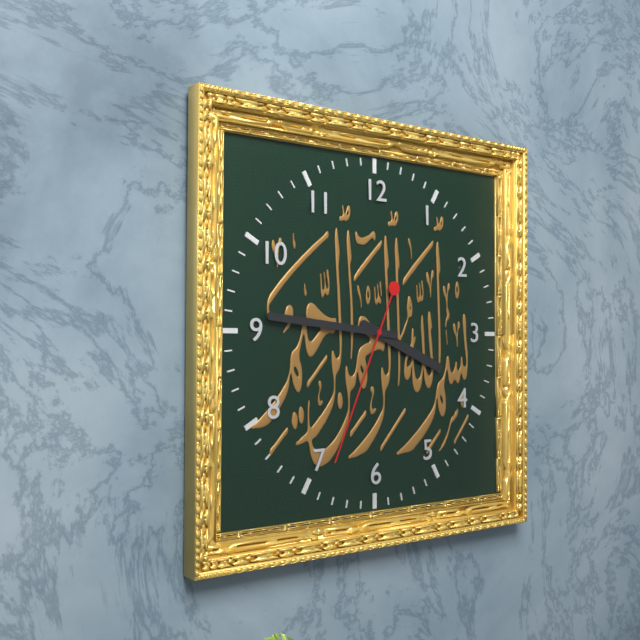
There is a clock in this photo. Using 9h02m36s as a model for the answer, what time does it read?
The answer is 3h46m34s
